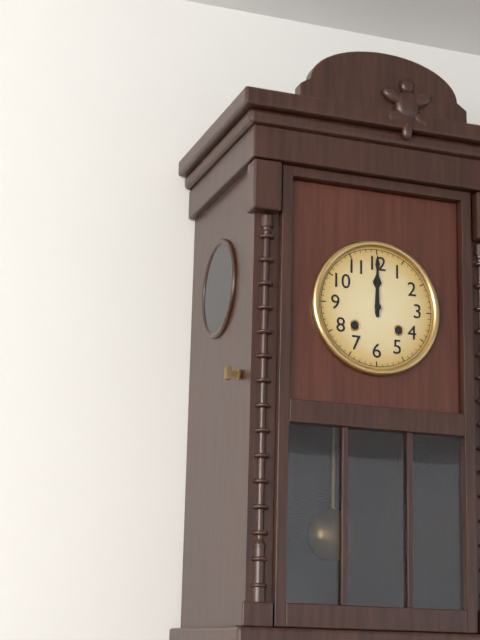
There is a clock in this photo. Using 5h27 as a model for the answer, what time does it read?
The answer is 12h00
